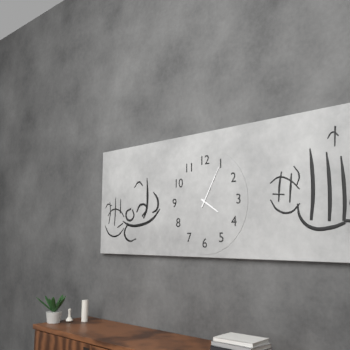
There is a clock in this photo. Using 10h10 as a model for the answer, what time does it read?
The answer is 4h05
